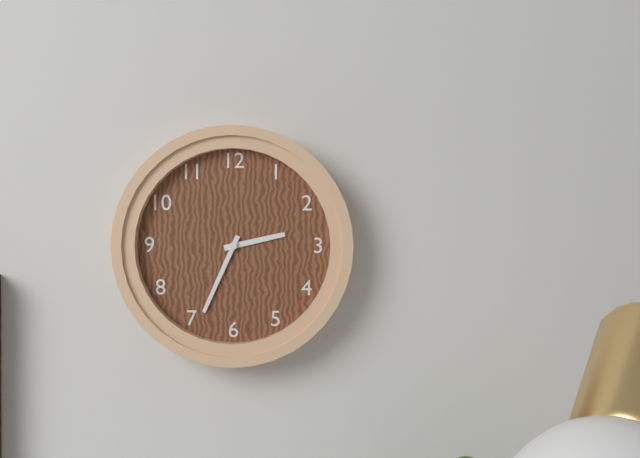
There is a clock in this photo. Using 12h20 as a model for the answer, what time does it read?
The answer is 2h34
